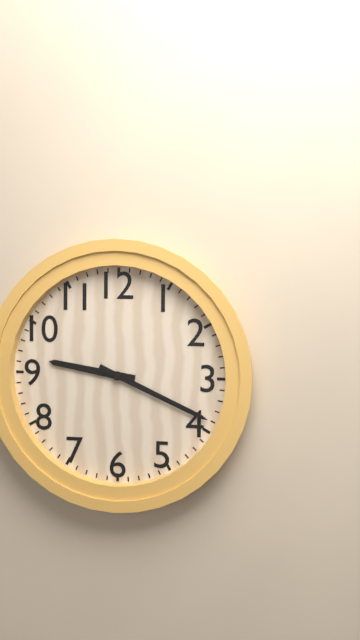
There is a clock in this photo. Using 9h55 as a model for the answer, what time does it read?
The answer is 9h19
